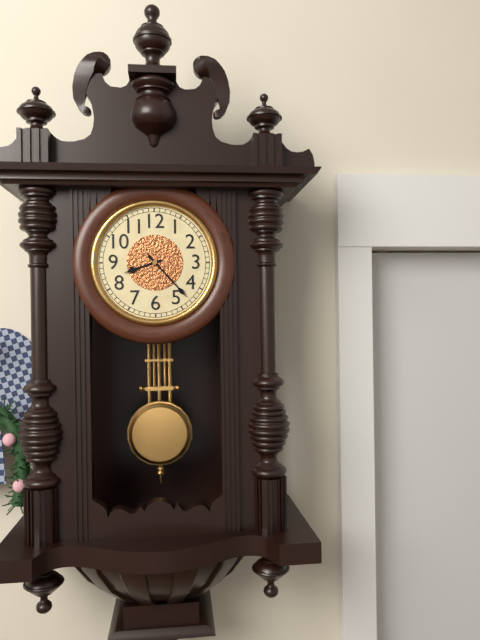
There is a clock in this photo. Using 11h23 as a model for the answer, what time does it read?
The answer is 8h23
